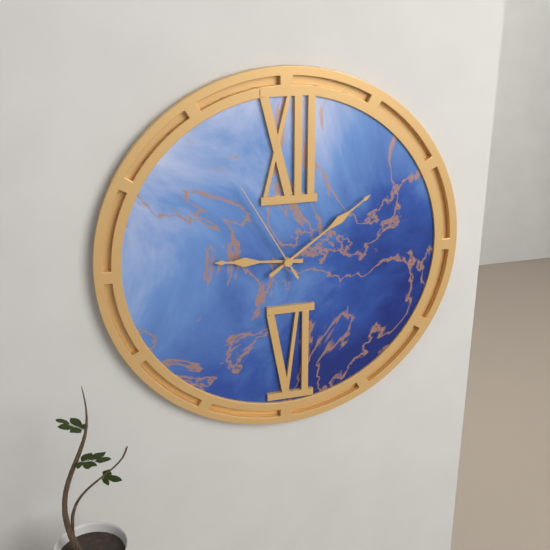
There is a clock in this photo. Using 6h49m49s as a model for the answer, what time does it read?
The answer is 9h09m55s
